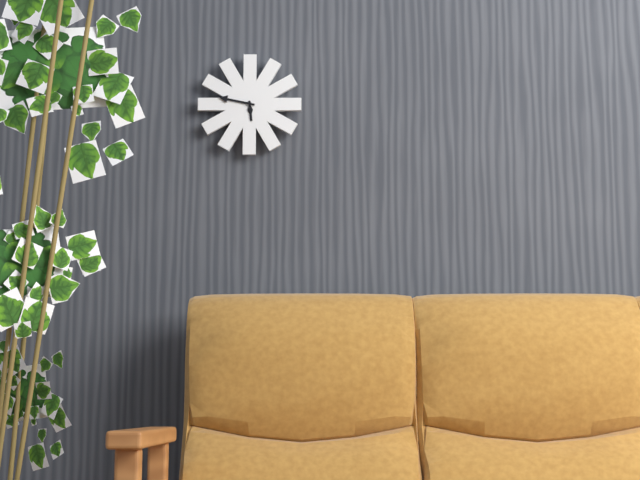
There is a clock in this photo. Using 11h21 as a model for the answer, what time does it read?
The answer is 5h47
